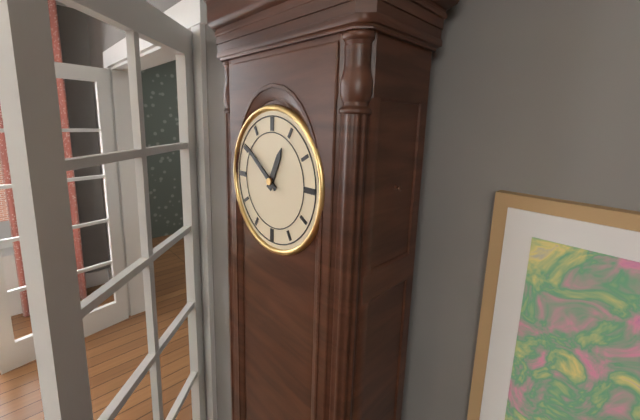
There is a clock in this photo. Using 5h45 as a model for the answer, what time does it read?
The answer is 12h51
